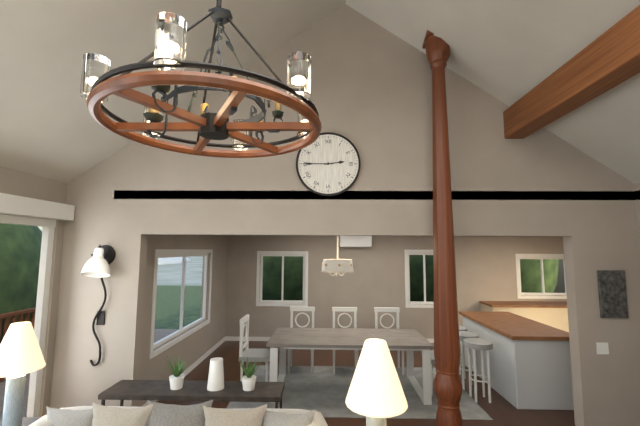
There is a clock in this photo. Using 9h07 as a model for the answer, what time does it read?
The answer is 2h45
